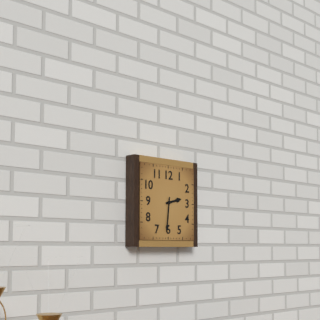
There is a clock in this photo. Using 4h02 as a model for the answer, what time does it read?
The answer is 2h31
